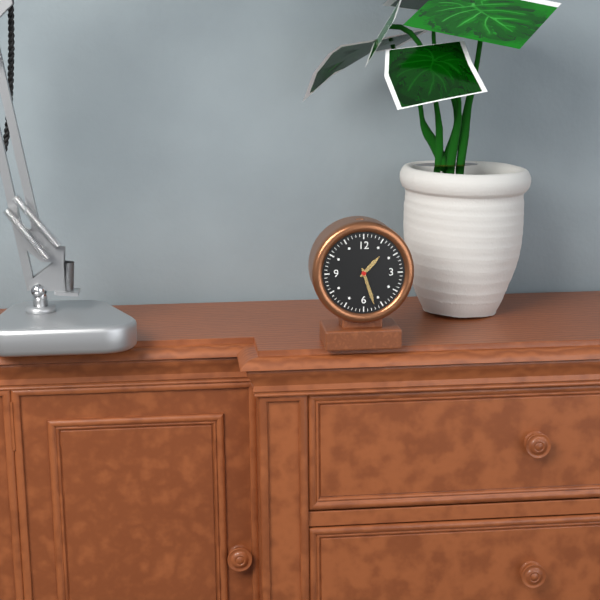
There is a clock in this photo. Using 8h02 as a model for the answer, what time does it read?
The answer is 1h27
